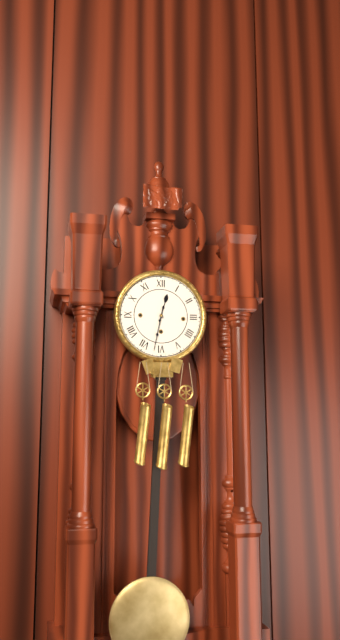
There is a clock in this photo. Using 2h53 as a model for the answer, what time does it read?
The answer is 12h32
